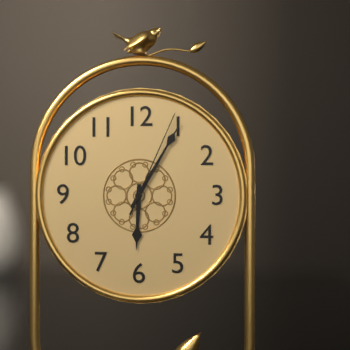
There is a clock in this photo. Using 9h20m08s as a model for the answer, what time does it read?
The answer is 6h05m04s
